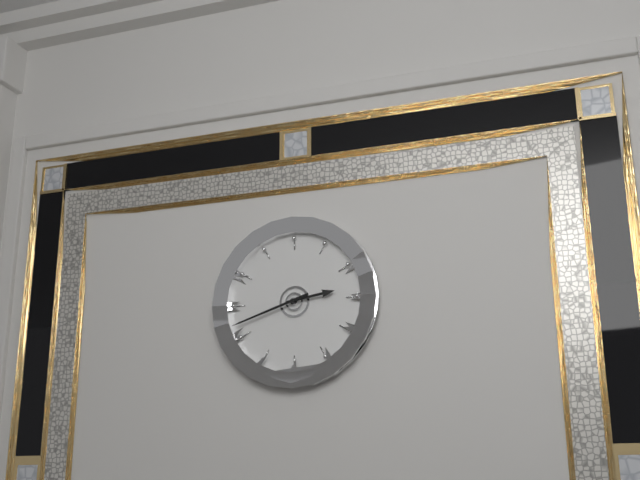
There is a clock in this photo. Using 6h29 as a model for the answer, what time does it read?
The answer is 2h42
